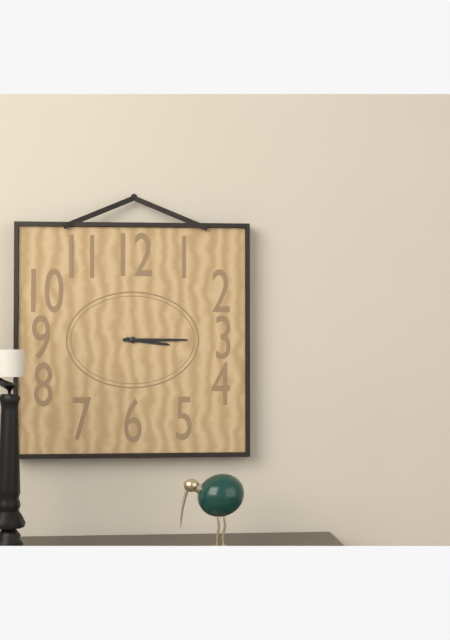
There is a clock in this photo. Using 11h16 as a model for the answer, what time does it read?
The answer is 3h15
